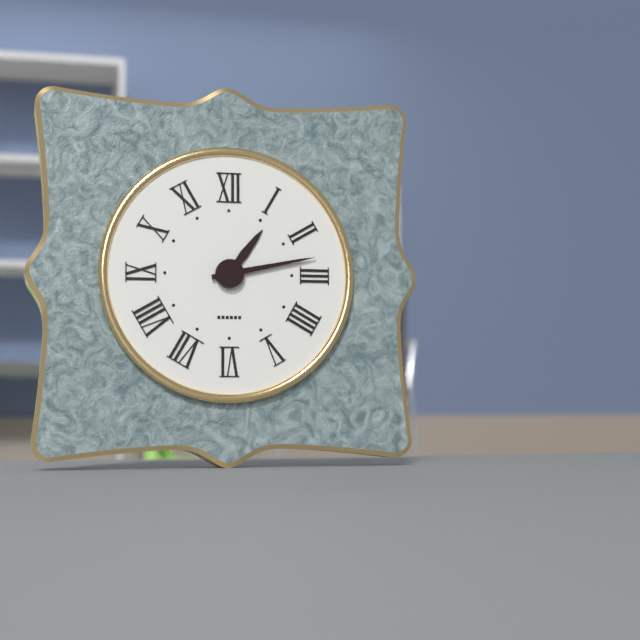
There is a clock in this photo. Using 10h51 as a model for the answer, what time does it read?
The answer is 1h13
